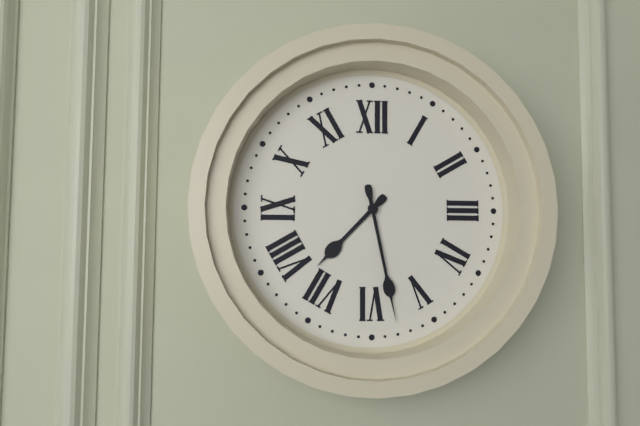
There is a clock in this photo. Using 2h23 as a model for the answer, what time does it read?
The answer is 7h28
